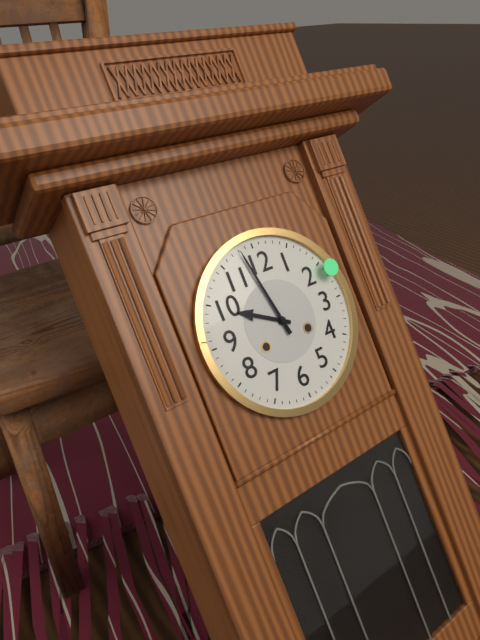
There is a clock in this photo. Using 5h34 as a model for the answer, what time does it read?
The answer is 9h58
